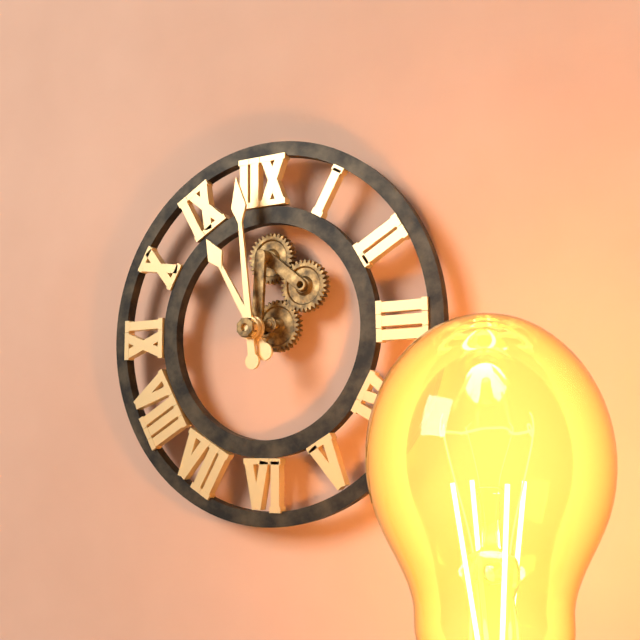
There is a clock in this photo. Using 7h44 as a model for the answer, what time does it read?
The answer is 10h59
